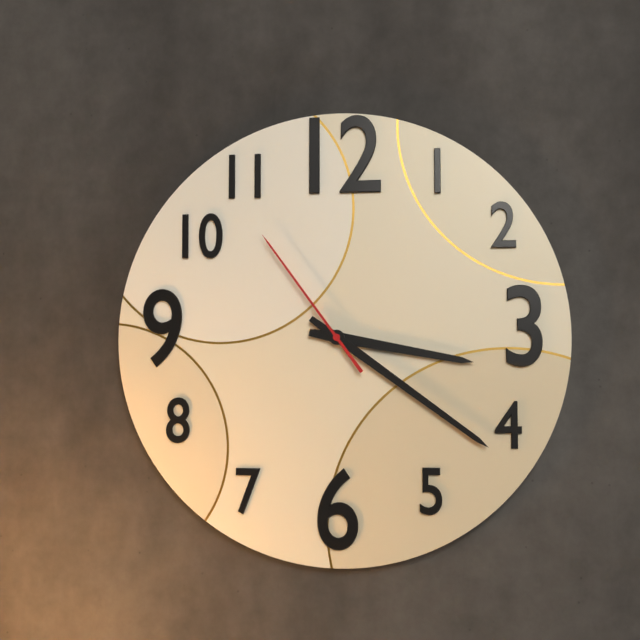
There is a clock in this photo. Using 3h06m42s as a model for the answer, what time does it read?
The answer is 3h21m54s
